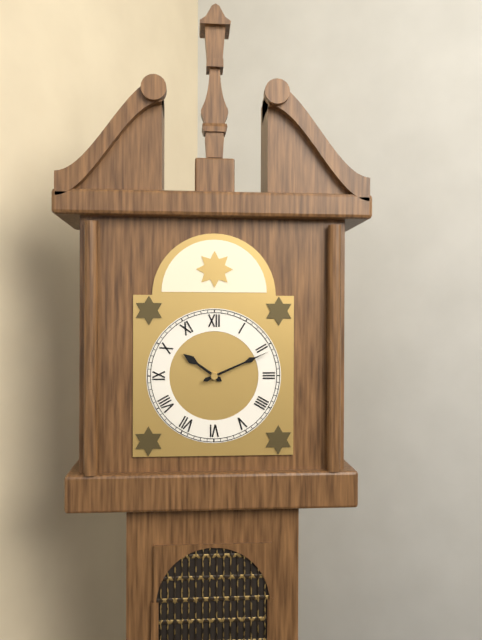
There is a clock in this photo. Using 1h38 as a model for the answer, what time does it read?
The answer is 10h11
